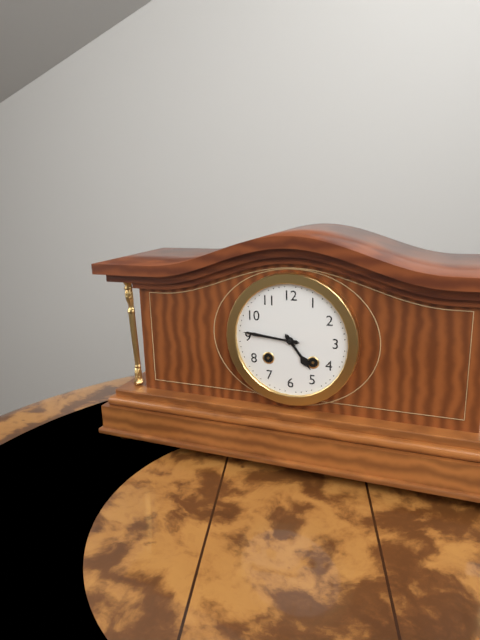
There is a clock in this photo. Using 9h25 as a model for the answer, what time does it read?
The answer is 4h46
